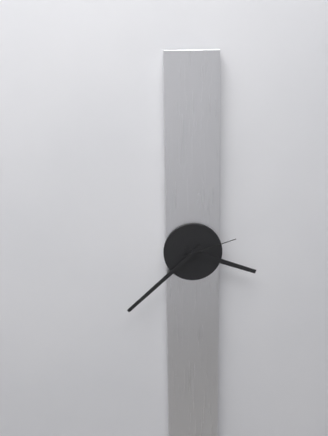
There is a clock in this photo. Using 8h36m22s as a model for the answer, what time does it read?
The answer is 3h38m12s
